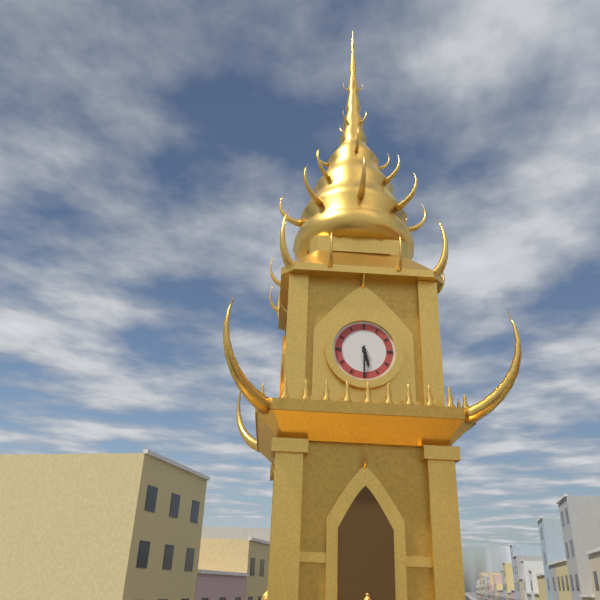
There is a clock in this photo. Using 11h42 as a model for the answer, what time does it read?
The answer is 5h30
